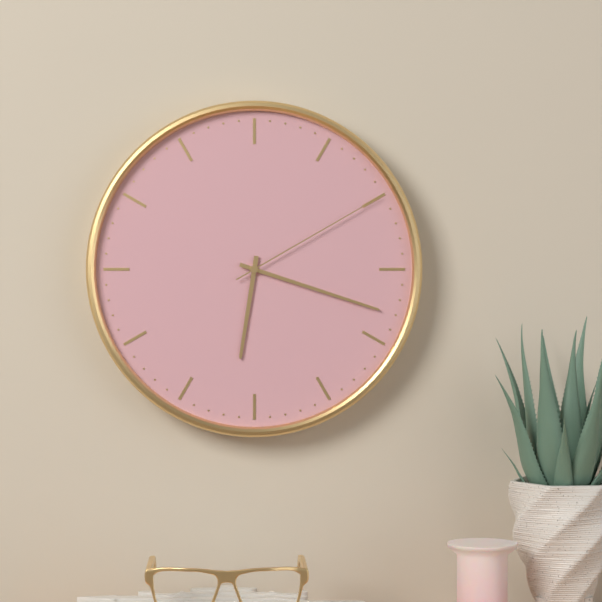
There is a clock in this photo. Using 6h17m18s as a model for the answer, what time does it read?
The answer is 6h18m10s
